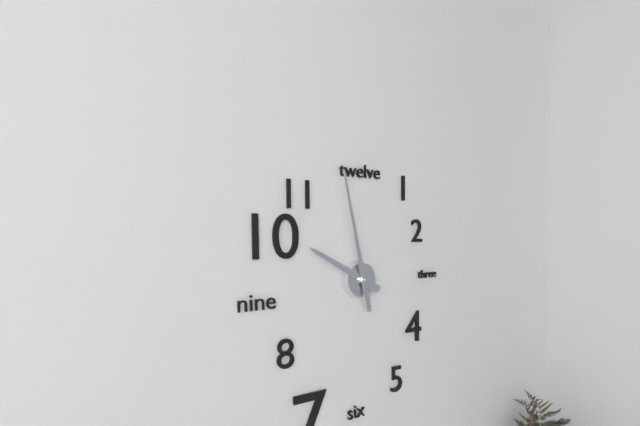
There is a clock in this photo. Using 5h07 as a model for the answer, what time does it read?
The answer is 9h58
